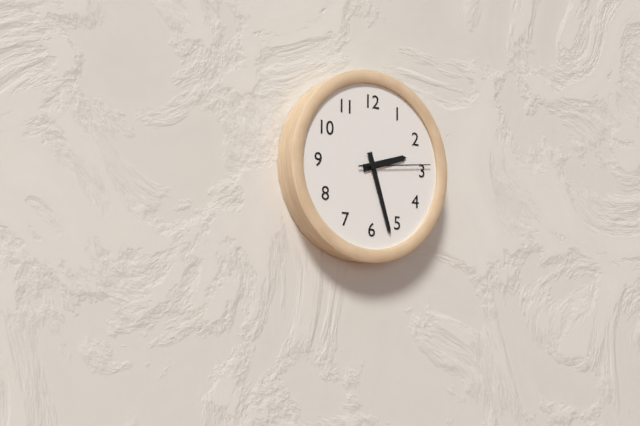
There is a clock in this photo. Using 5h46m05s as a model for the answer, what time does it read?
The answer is 2h27m14s
